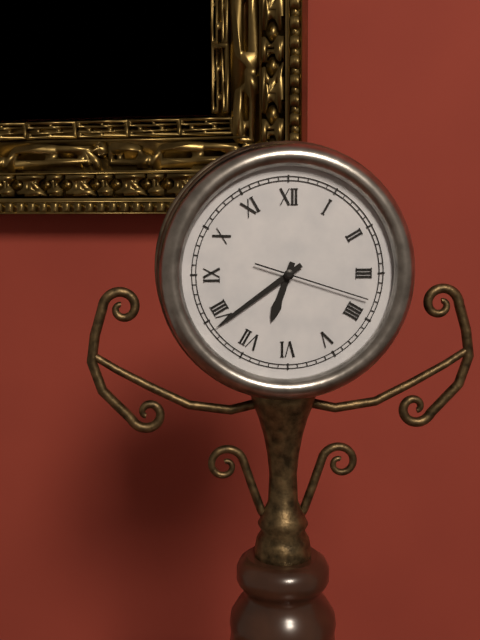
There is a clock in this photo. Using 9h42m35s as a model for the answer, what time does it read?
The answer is 6h39m18s
